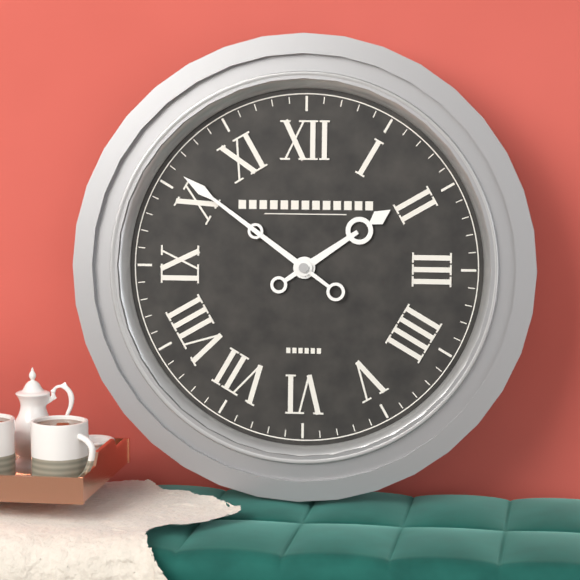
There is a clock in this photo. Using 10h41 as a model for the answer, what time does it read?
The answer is 1h51
